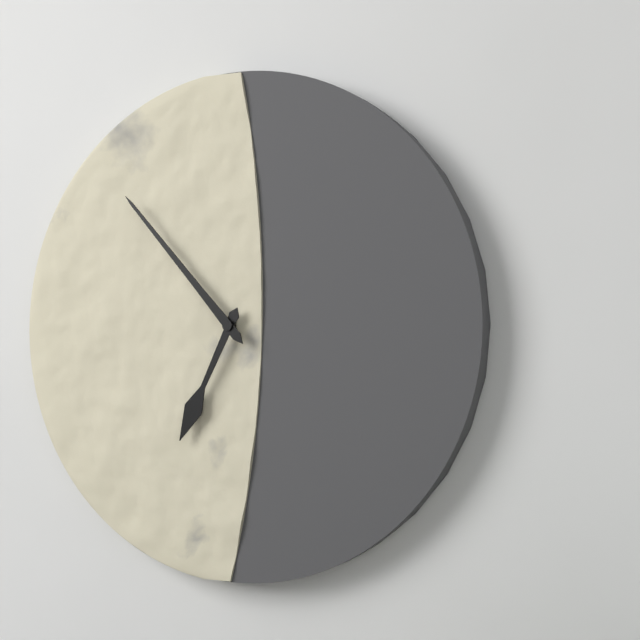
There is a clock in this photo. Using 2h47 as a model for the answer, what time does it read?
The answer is 6h53
